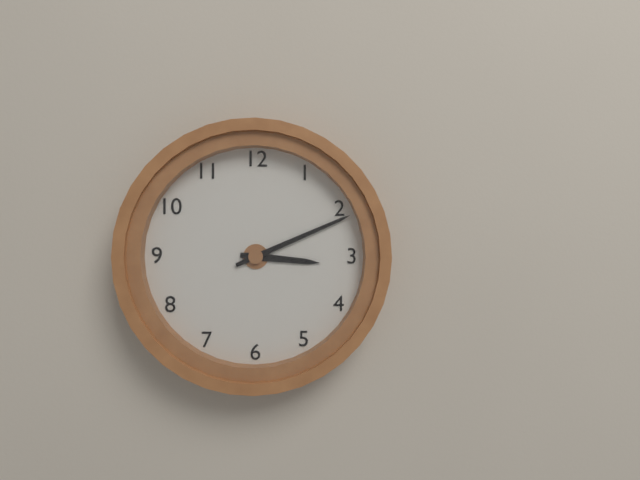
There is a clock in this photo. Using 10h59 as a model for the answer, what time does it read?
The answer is 3h11
